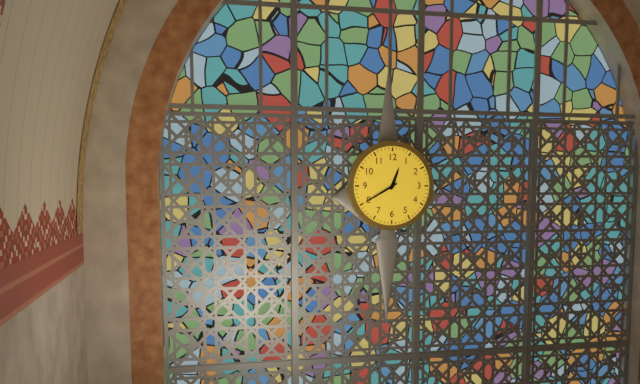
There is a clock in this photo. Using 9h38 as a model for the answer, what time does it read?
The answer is 12h40
